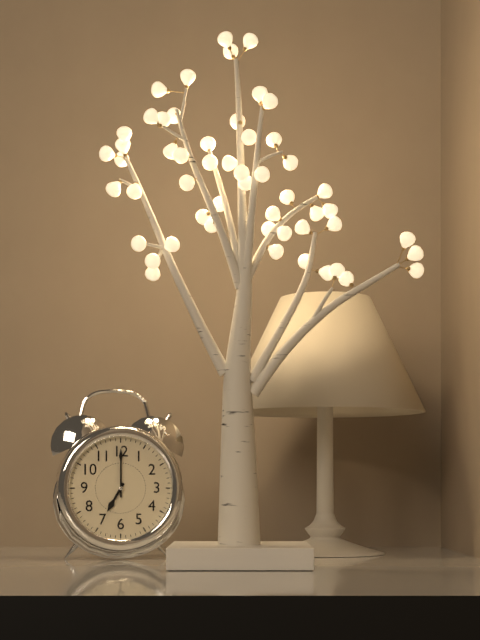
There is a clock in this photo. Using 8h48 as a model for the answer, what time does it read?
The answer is 7h00
